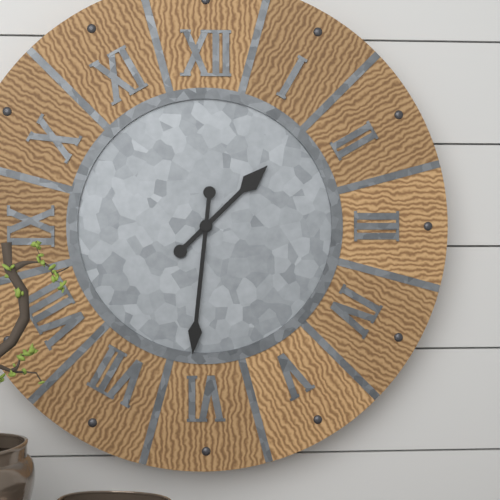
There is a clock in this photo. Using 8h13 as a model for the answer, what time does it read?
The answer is 1h31
